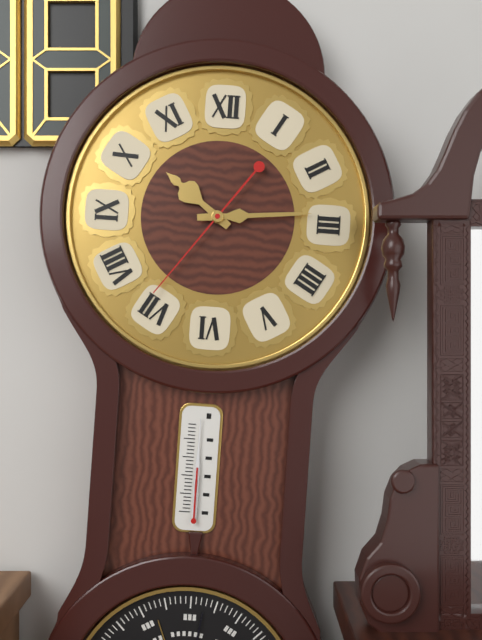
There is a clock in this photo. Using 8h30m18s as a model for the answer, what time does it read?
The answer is 10h14m36s
